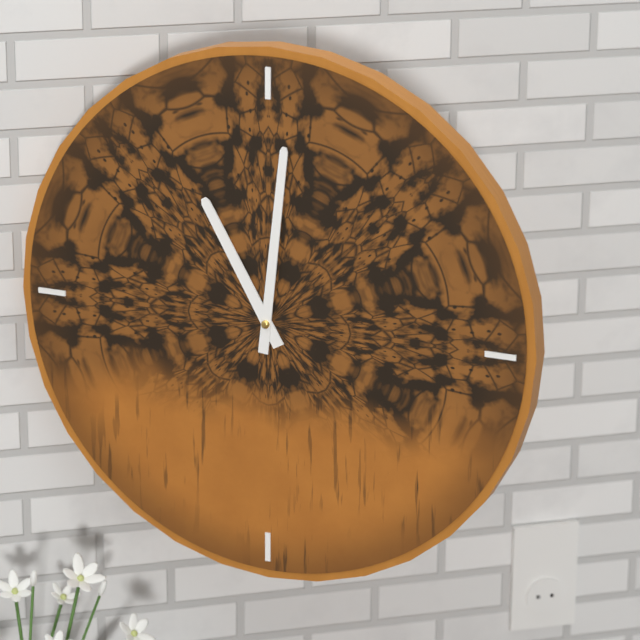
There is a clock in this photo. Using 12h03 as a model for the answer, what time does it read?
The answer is 11h01
